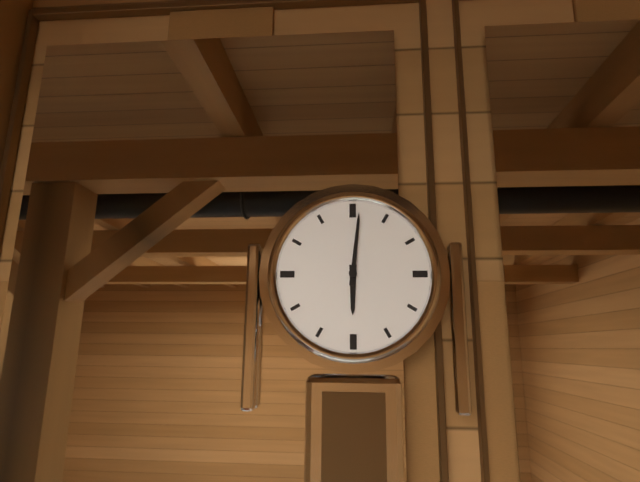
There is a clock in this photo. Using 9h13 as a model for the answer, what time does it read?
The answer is 6h01
